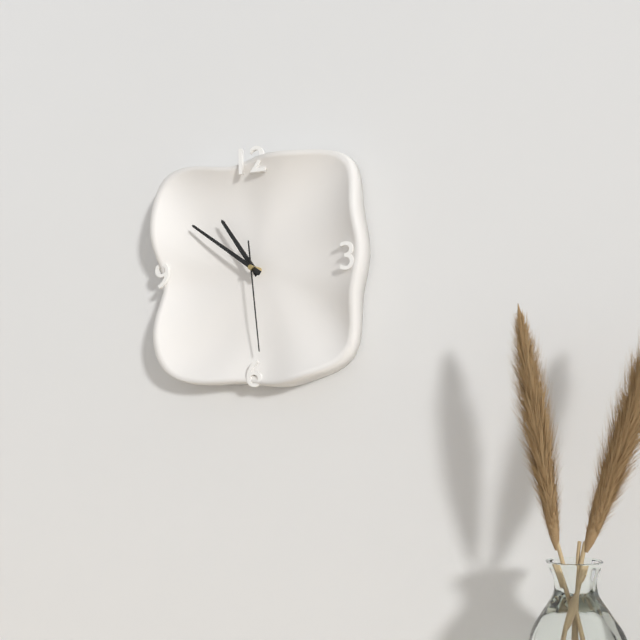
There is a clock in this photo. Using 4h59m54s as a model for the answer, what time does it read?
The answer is 10h51m29s
